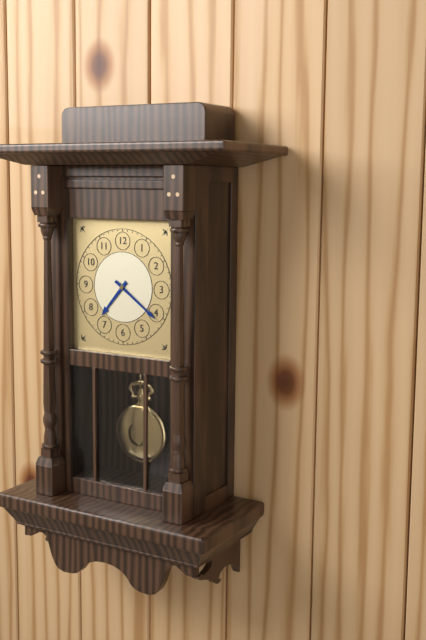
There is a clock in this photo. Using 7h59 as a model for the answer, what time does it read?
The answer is 7h21
